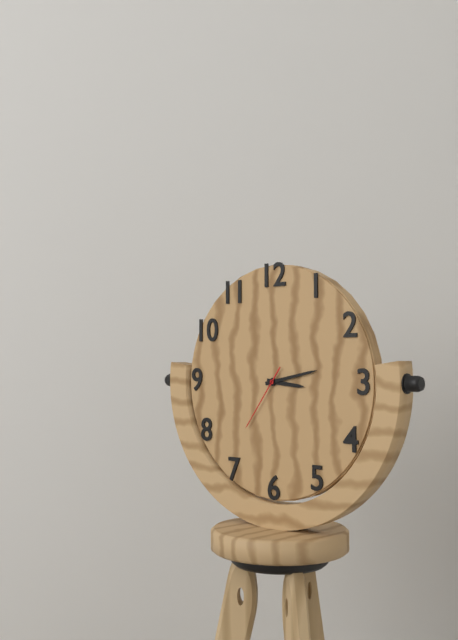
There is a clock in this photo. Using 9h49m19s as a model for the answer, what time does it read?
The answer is 3h13m36s
